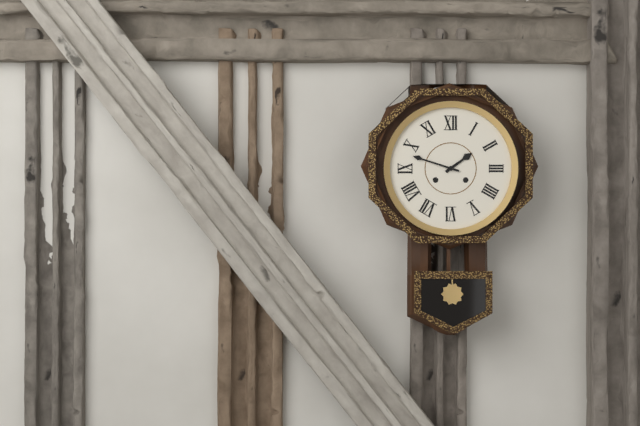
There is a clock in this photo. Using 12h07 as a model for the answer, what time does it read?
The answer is 1h48
